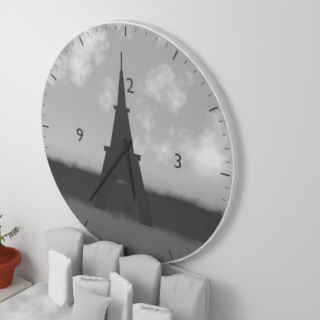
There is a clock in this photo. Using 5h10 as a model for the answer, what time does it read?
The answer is 5h36
